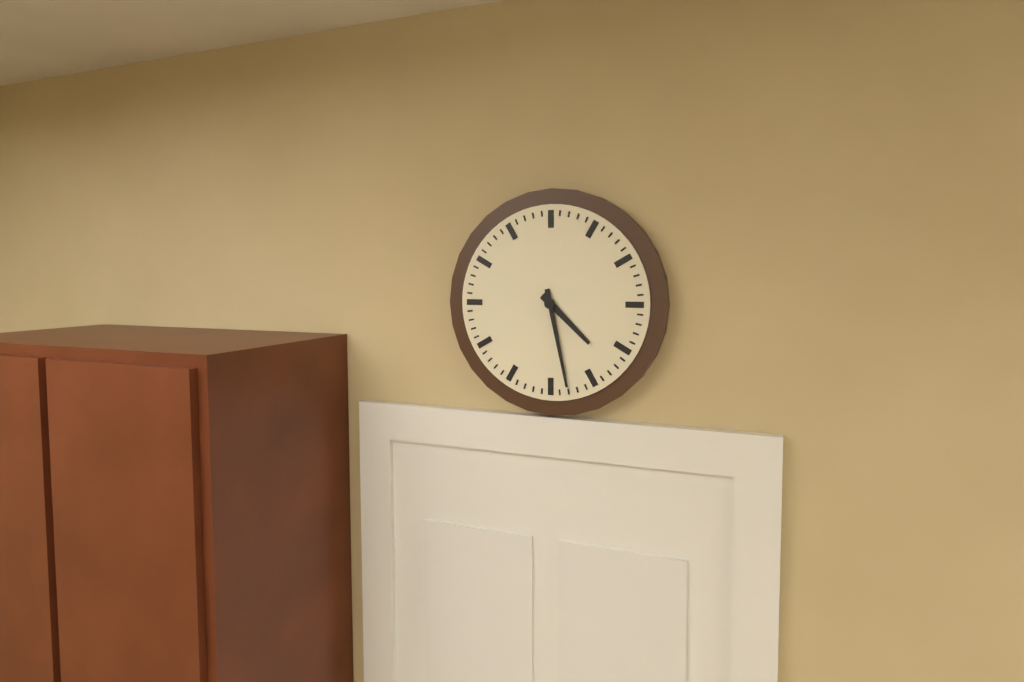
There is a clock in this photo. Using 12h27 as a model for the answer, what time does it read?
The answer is 4h28
